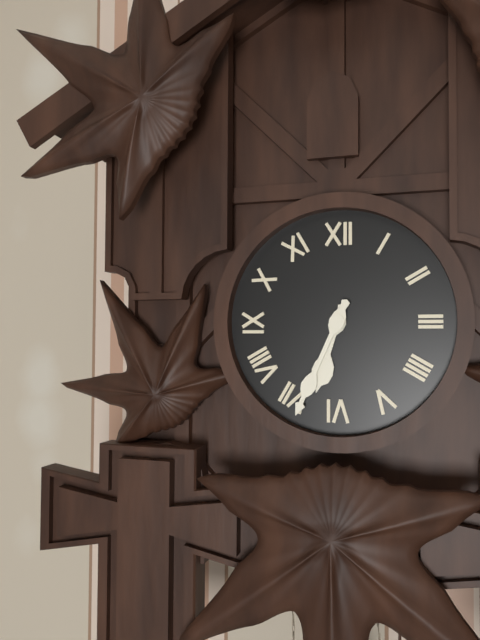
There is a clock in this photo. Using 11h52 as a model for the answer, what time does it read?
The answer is 6h34
